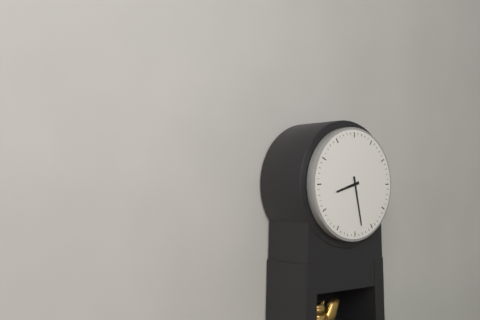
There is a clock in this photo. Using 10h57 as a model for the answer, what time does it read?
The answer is 8h28
